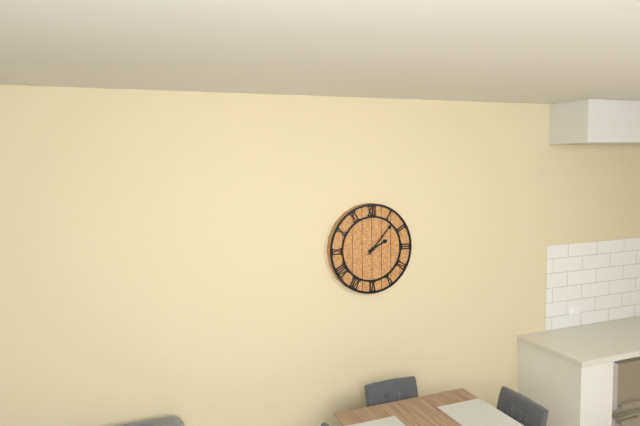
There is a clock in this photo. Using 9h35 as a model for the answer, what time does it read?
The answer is 2h07
